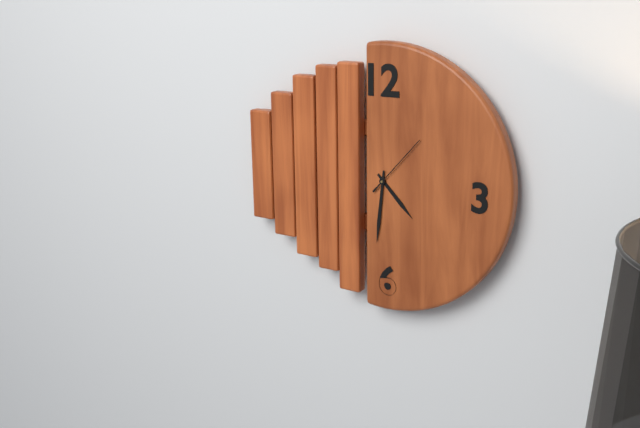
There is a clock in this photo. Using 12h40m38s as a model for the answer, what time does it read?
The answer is 4h31m07s
